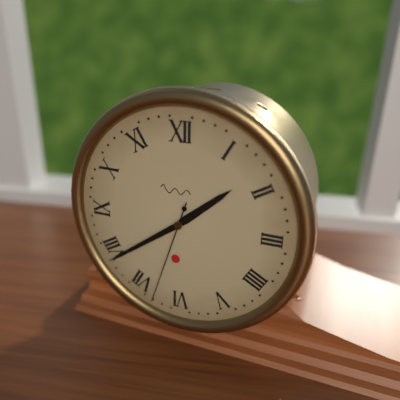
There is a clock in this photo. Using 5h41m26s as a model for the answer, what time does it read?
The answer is 1h39m33s
